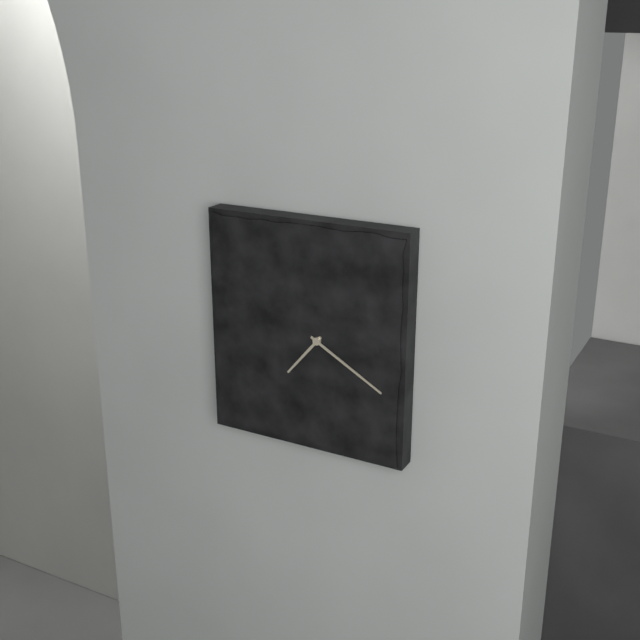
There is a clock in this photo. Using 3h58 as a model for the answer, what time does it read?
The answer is 7h20
